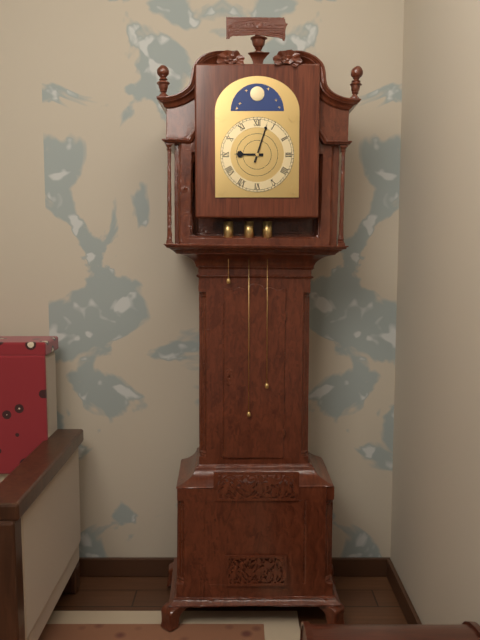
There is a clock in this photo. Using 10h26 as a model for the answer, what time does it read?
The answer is 9h03
